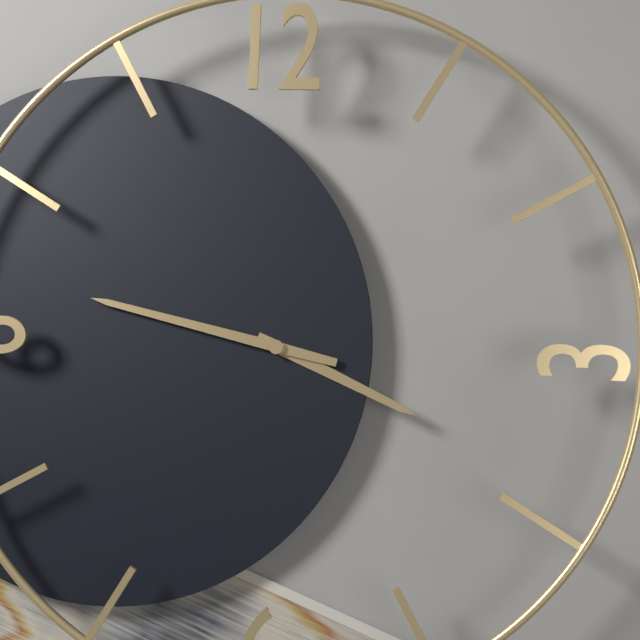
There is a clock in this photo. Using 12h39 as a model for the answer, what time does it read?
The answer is 3h47
